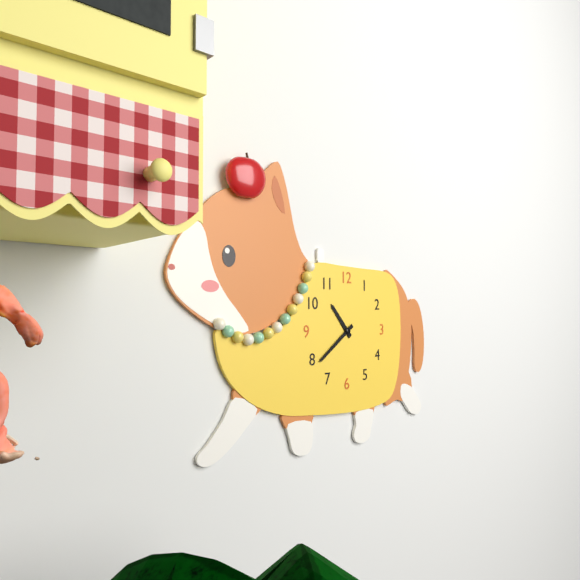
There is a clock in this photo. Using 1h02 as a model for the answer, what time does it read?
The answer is 10h39
